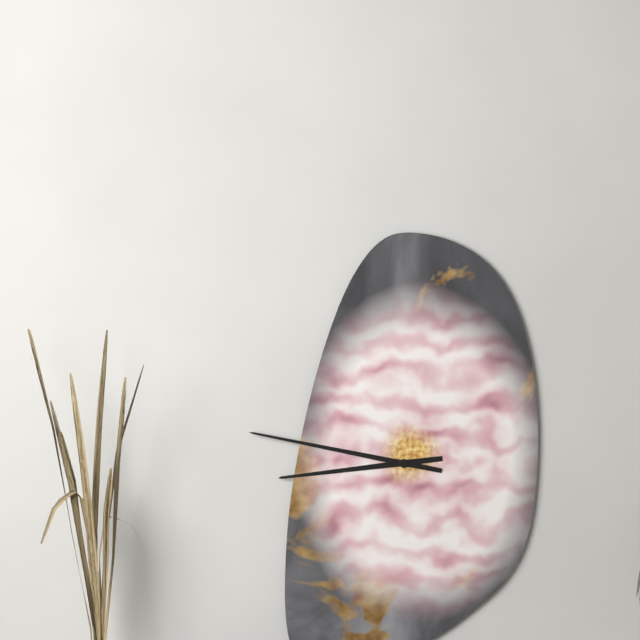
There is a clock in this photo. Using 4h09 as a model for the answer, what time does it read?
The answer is 8h47
